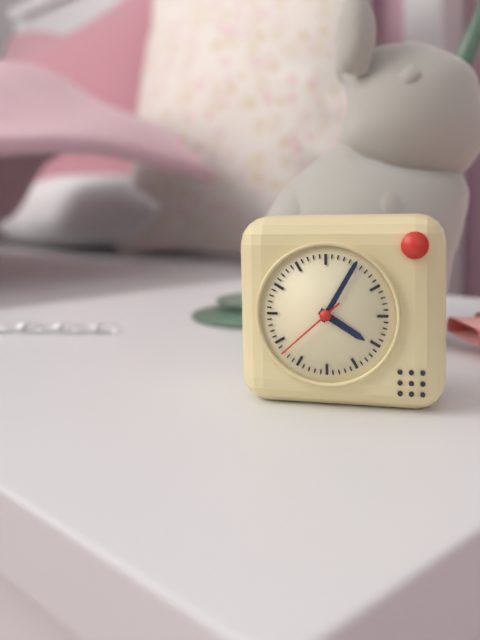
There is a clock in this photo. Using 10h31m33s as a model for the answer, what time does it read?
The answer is 4h05m38s
